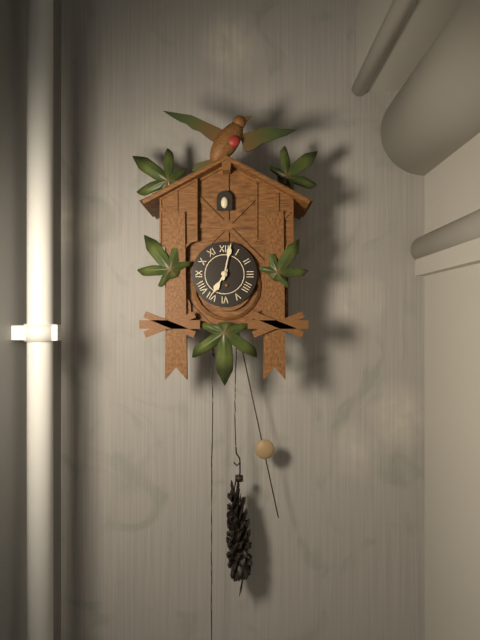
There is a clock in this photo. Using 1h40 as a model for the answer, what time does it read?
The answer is 7h02
